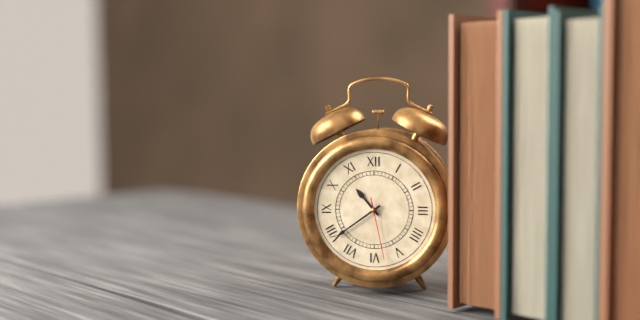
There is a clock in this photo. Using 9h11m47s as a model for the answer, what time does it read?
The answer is 10h39m28s
